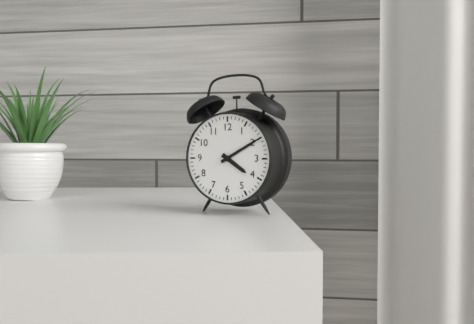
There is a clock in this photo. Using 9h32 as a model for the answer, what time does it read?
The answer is 4h10
